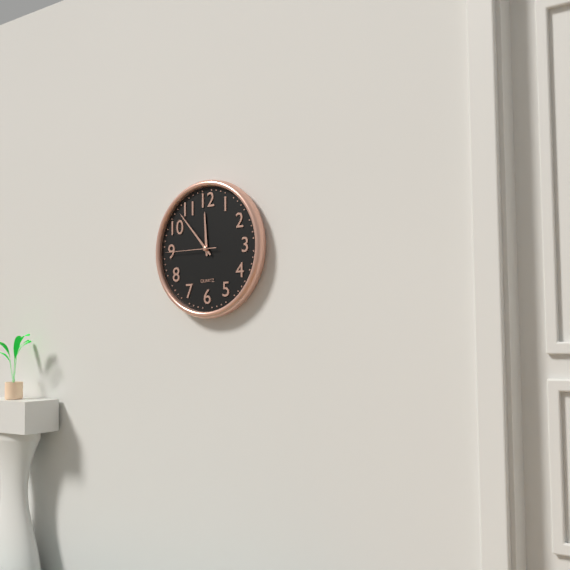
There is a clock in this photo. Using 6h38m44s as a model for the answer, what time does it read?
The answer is 11h53m45s
